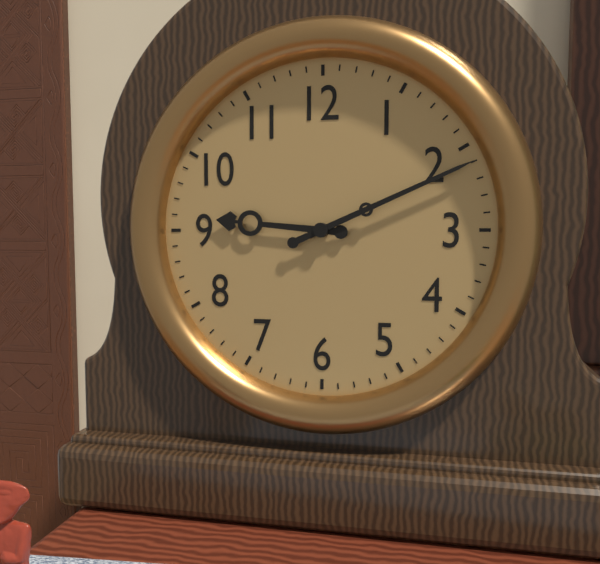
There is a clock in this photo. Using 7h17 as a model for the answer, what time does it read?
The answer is 9h11
